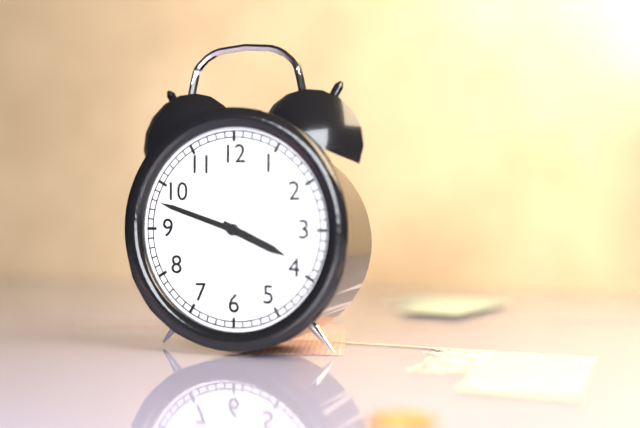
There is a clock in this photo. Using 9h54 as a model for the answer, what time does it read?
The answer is 3h48
